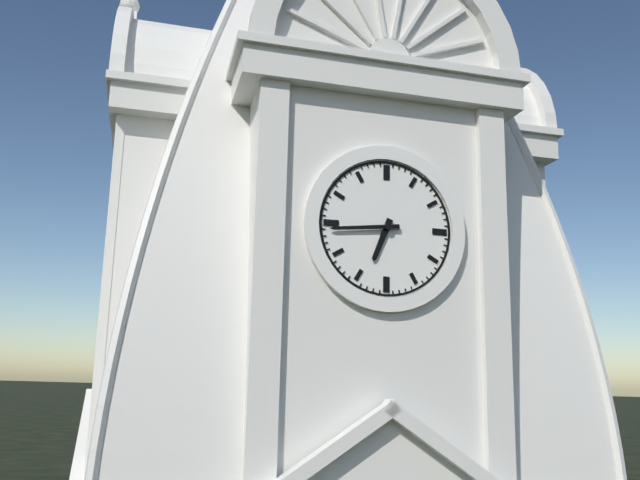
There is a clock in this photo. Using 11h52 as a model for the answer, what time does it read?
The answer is 6h44
